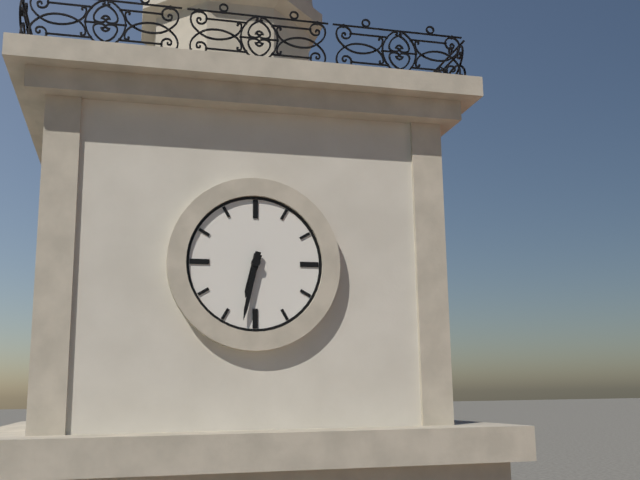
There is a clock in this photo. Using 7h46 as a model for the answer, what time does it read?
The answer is 6h32
